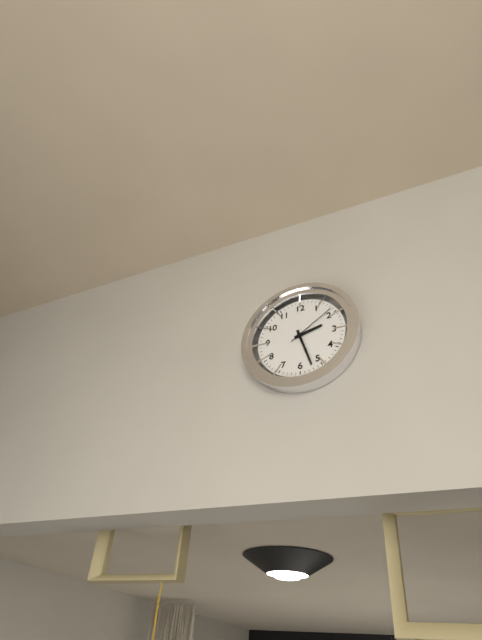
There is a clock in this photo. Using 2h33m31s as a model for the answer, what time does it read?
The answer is 2h27m09s
